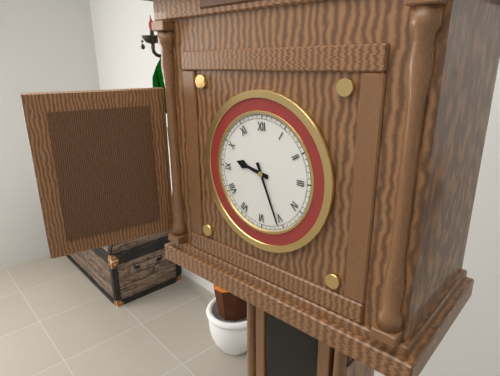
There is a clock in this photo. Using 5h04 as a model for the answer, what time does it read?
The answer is 9h26
